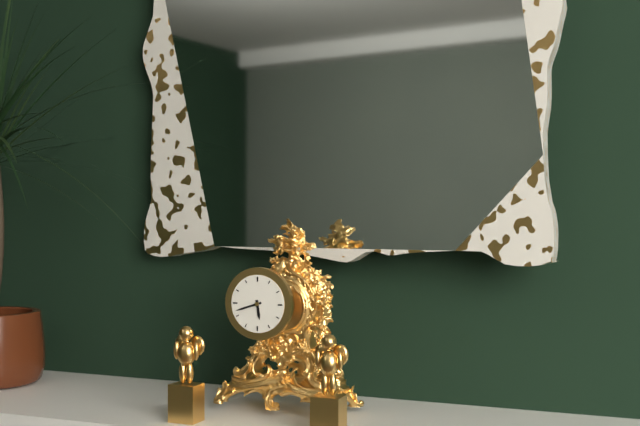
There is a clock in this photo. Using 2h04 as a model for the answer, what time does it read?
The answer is 5h42
